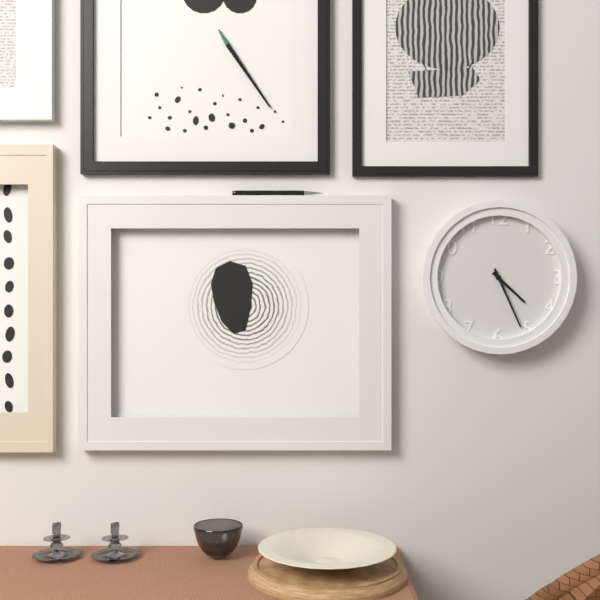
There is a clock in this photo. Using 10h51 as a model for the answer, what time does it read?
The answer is 4h26
